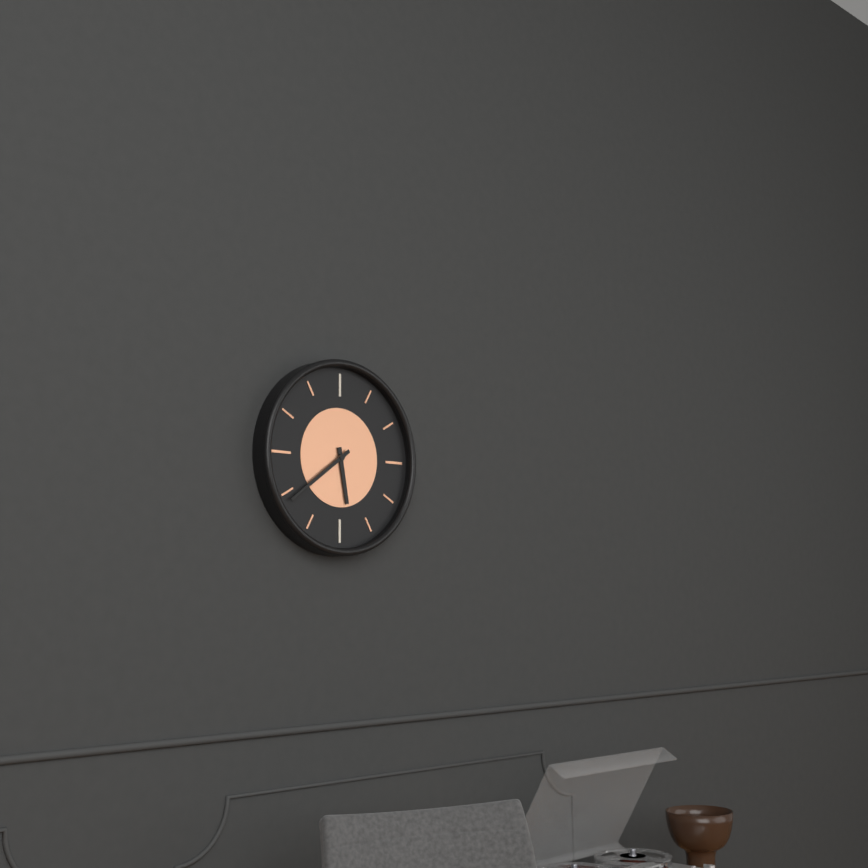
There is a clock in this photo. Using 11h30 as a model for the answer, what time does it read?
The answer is 5h39
